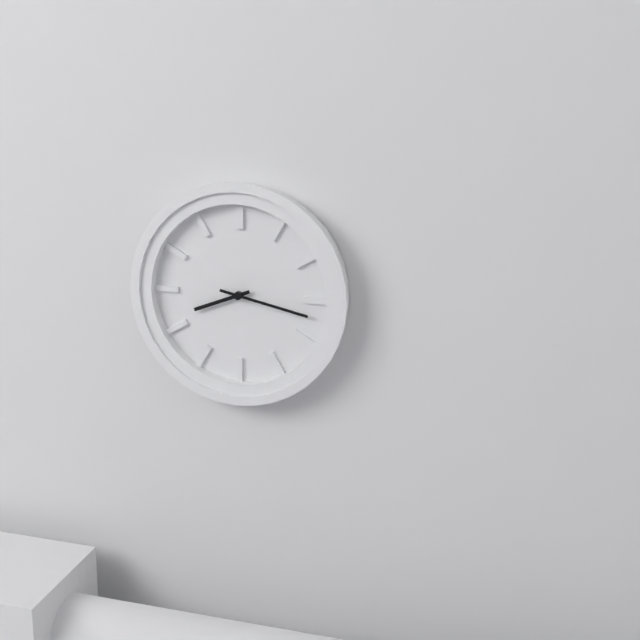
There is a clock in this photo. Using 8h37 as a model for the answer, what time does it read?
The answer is 8h17
